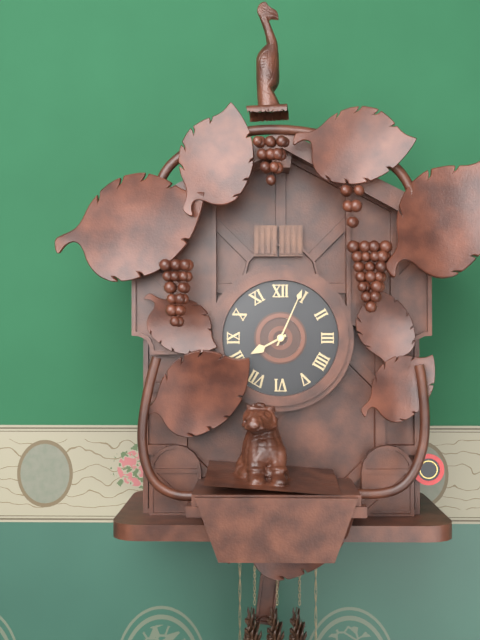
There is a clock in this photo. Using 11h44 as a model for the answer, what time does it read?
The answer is 8h04
